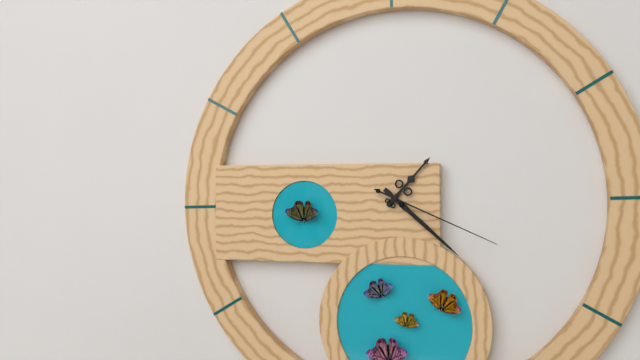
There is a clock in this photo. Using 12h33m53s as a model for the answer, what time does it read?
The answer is 1h22m19s
